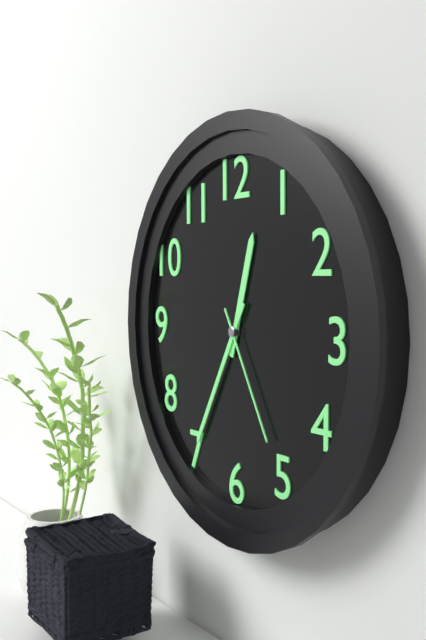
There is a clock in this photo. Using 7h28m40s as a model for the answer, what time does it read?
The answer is 12h35m25s
